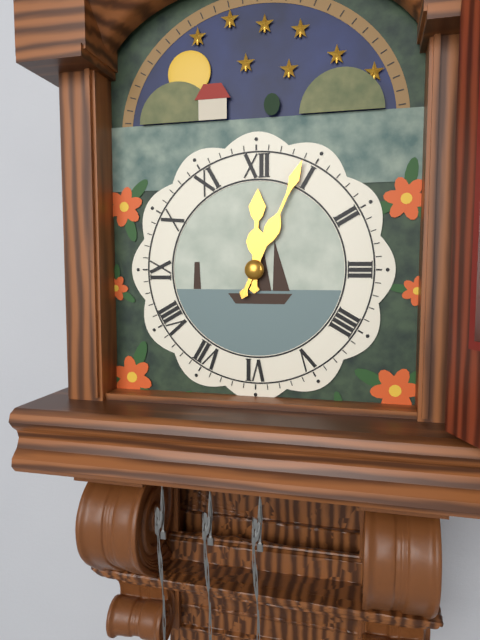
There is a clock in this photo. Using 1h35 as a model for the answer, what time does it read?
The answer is 12h04
